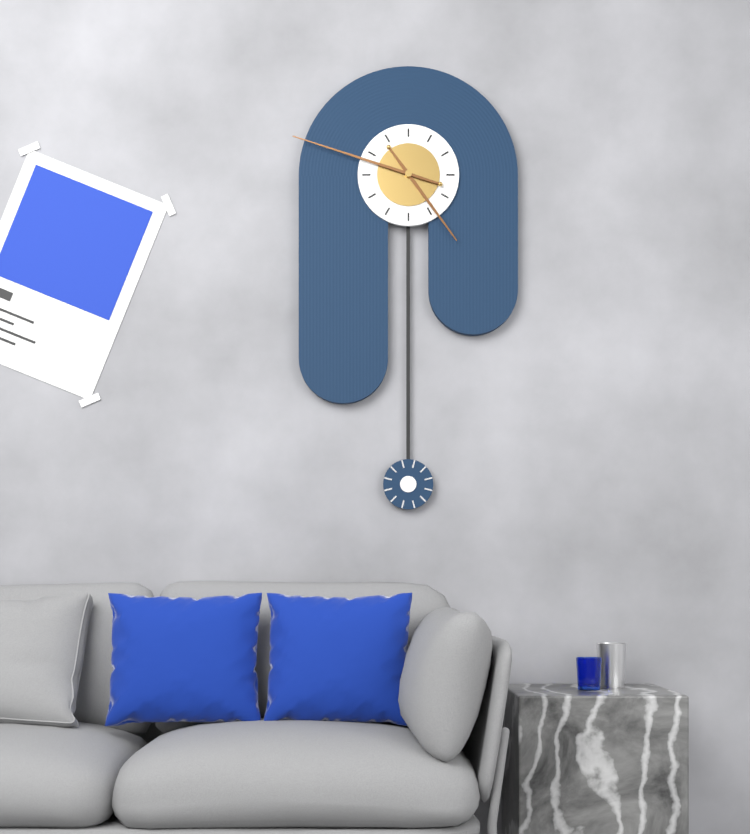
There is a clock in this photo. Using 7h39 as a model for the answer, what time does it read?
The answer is 4h48
